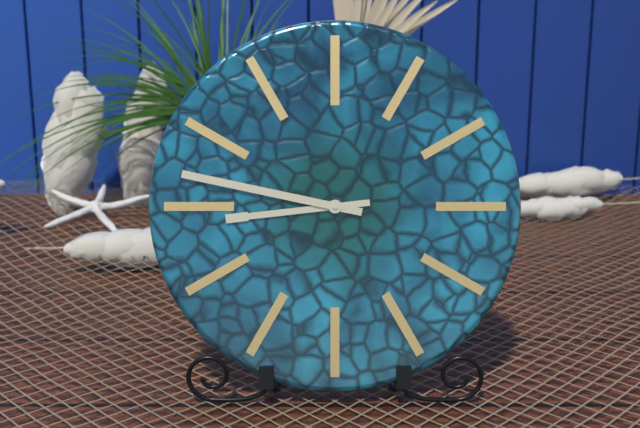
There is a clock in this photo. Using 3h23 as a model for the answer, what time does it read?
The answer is 8h47
